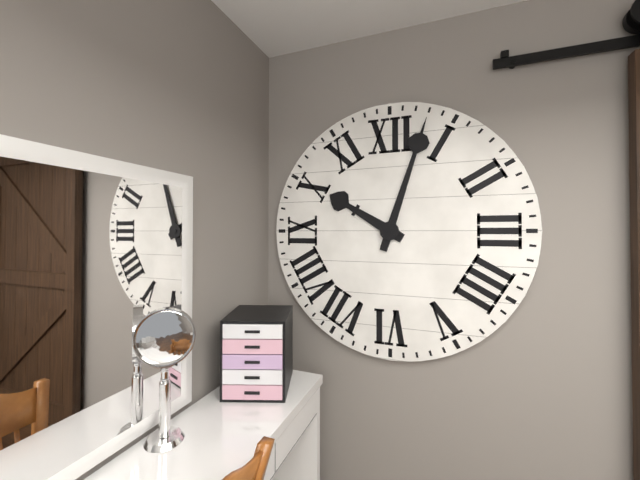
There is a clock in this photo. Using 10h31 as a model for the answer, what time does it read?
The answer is 10h03
